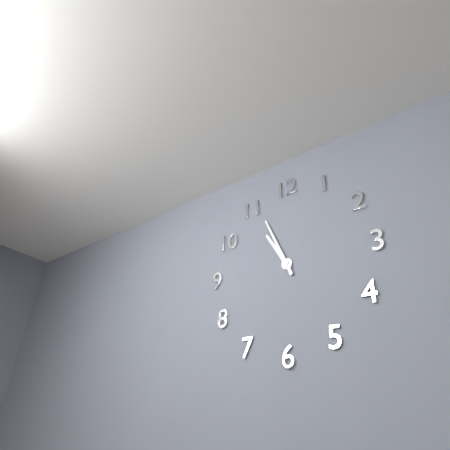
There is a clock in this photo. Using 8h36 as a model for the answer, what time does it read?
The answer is 10h56
